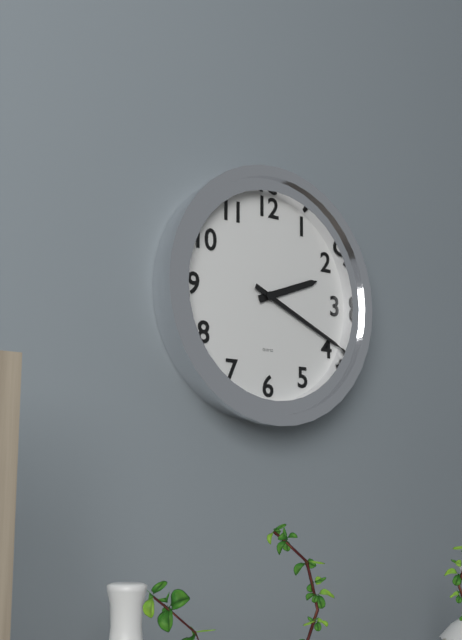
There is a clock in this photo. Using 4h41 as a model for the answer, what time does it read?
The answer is 2h19
